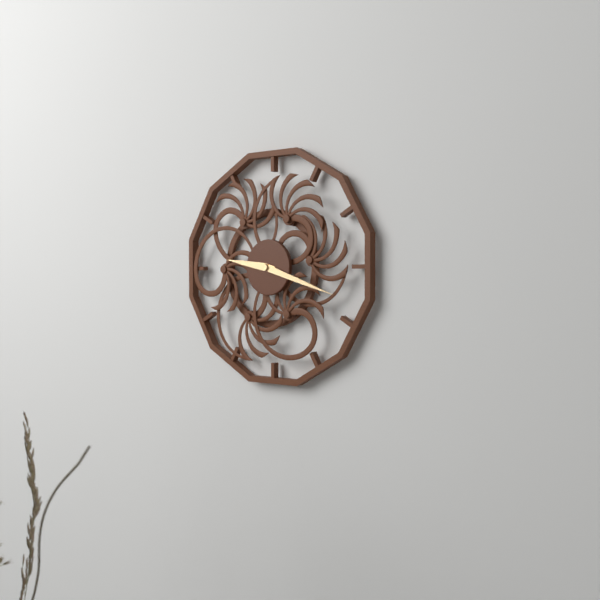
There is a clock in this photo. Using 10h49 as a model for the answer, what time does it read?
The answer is 9h18
